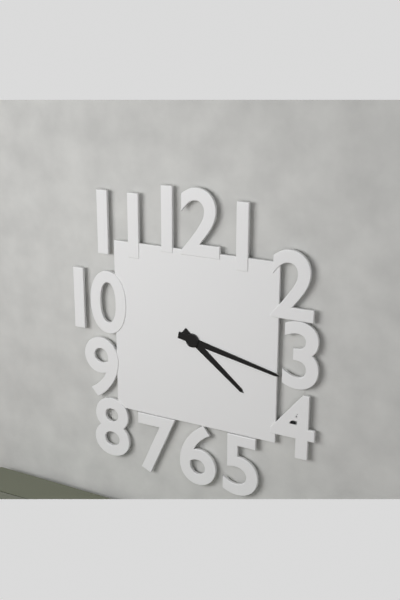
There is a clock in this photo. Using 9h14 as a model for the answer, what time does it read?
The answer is 4h17
